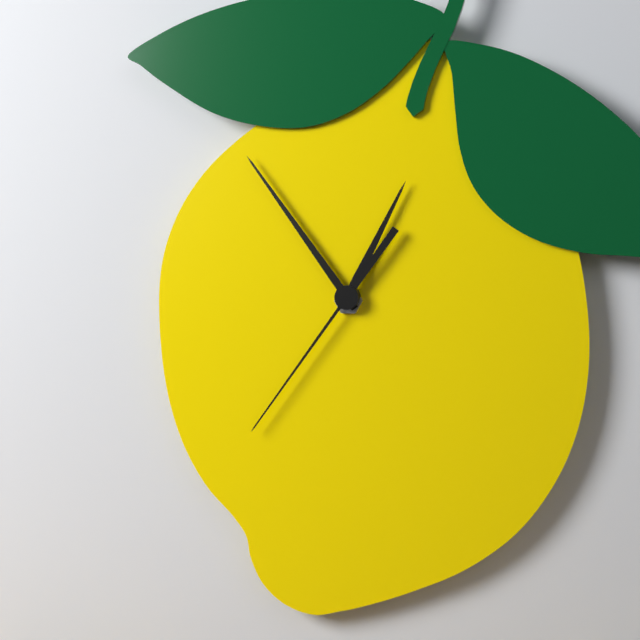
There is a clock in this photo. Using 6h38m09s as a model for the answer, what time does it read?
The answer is 12h54m36s
